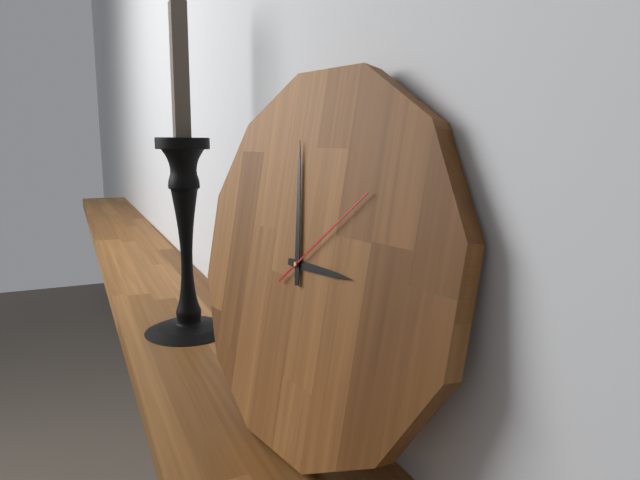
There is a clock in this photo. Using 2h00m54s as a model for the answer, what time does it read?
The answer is 2h58m08s
